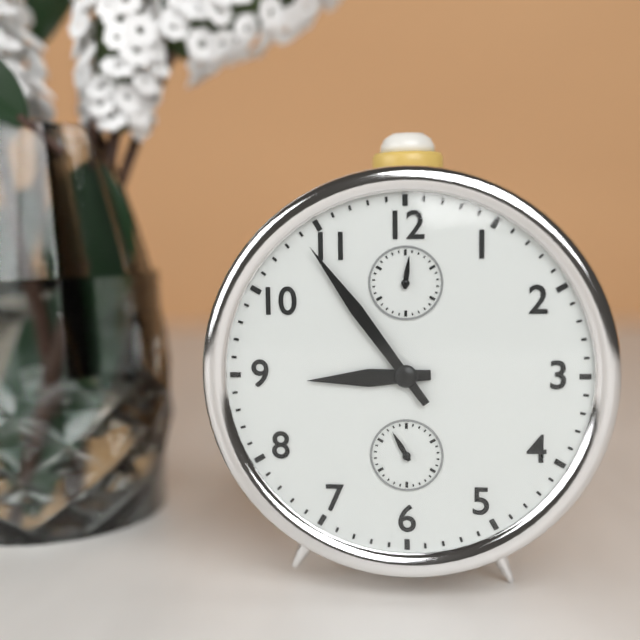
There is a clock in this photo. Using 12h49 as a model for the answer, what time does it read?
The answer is 8h54
